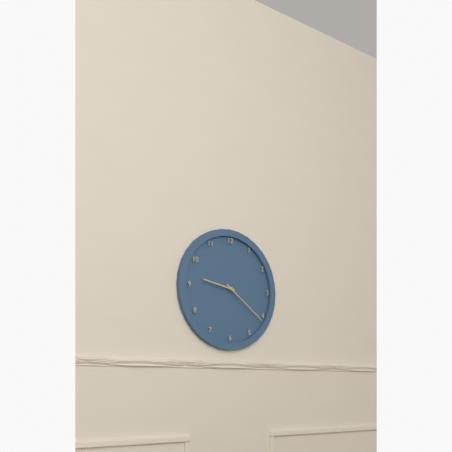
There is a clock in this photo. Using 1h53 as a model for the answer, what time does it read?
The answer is 9h21
